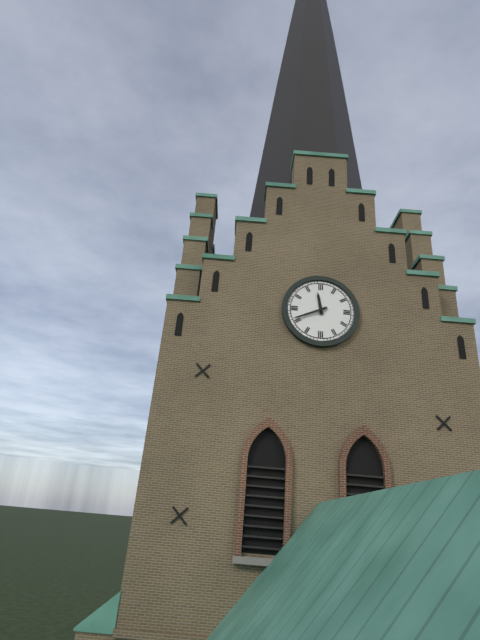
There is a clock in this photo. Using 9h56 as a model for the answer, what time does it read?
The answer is 11h41
